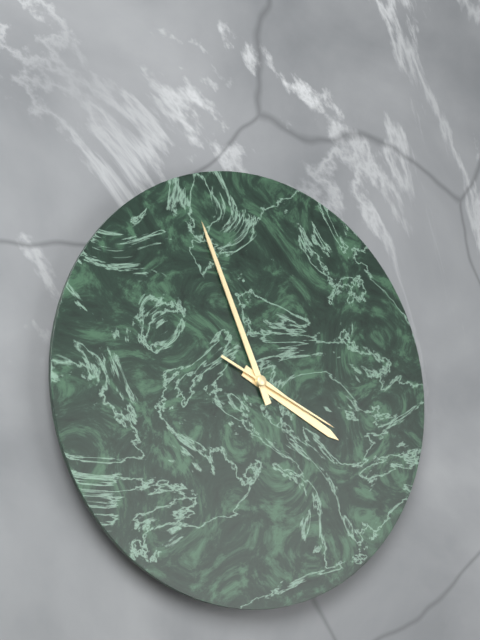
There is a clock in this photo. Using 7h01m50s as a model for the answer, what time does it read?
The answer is 3h56m19s
